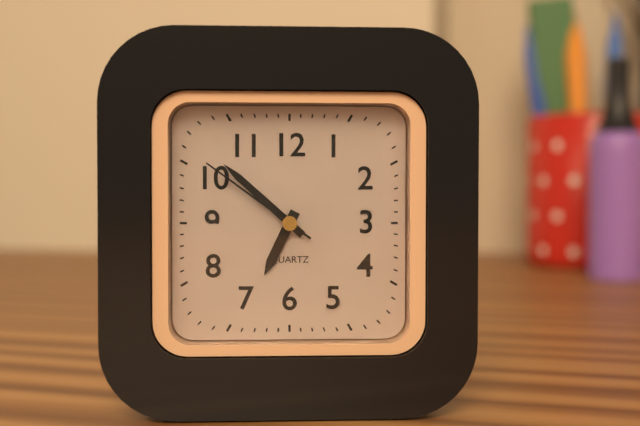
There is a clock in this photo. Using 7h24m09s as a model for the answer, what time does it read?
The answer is 6h52m51s
